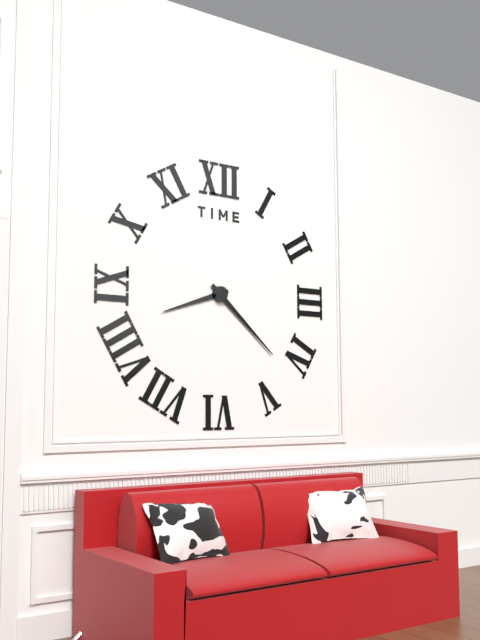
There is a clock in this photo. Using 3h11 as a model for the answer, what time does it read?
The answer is 8h22
